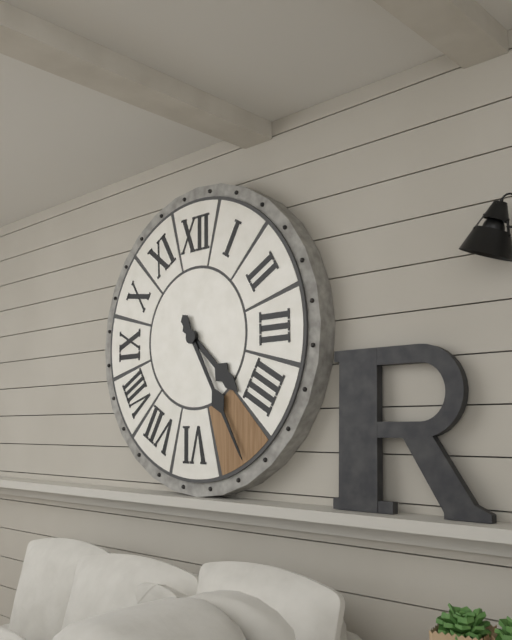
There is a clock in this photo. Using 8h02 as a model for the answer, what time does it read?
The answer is 4h25
